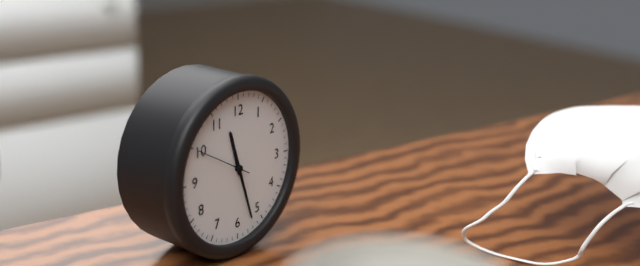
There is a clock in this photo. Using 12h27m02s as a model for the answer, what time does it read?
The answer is 11h27m50s
